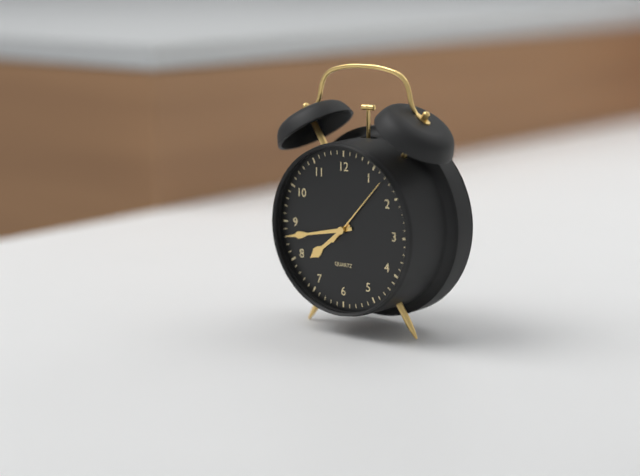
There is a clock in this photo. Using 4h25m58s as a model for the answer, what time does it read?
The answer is 7h43m07s
